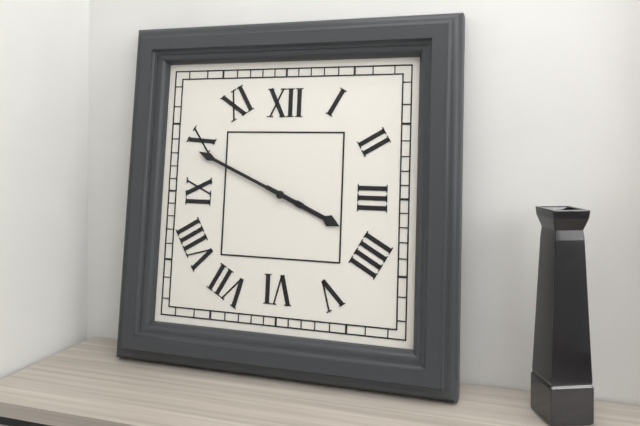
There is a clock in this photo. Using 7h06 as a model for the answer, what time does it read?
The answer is 3h49
